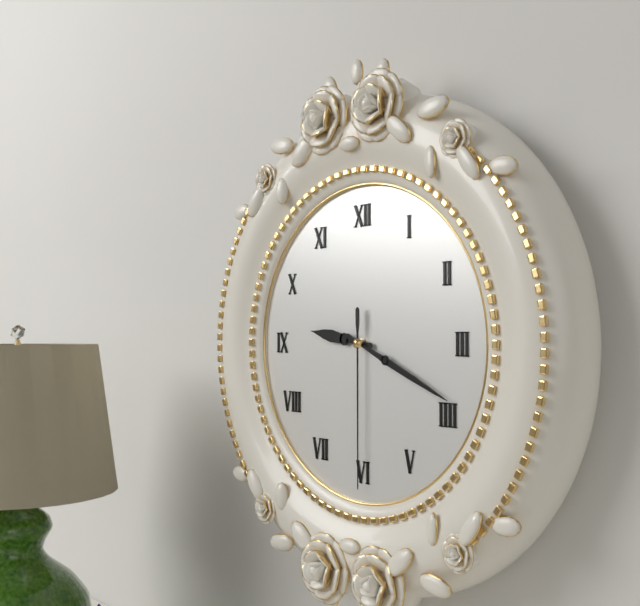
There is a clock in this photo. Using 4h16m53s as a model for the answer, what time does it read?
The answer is 9h19m30s
